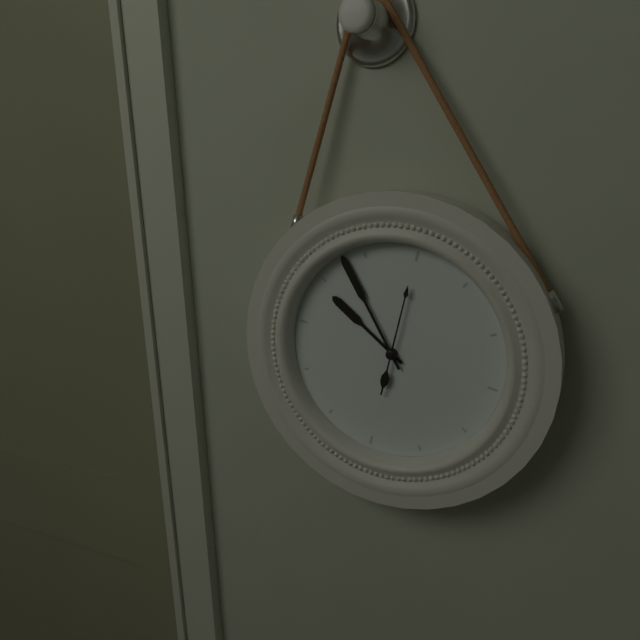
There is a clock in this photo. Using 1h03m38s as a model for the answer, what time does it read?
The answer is 9h53m00s
